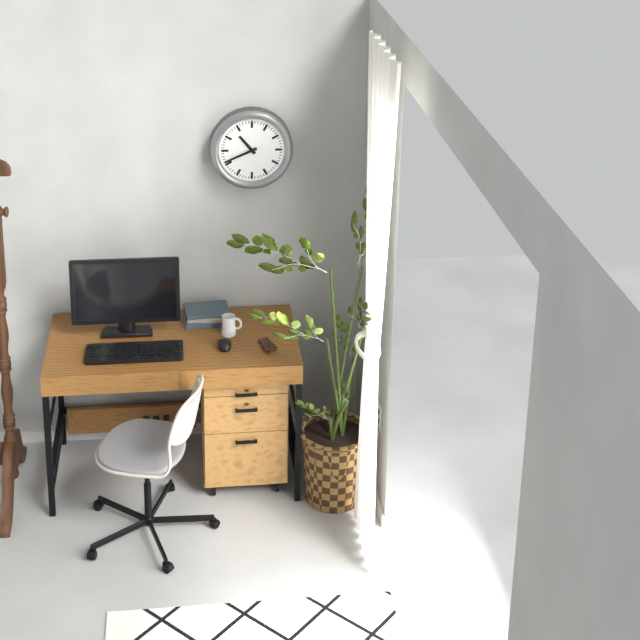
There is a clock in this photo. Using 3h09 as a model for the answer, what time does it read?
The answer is 10h41
